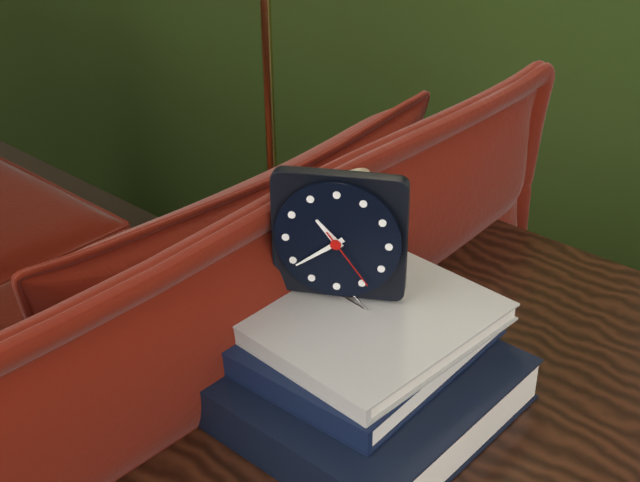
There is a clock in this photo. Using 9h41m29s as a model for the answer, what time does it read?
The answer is 10h39m24s
